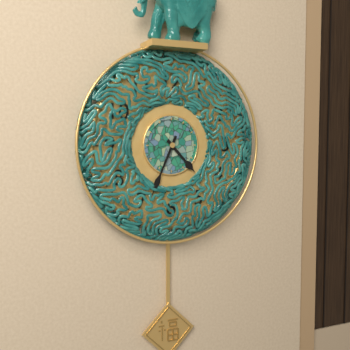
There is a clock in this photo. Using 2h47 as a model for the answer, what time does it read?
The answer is 4h34
